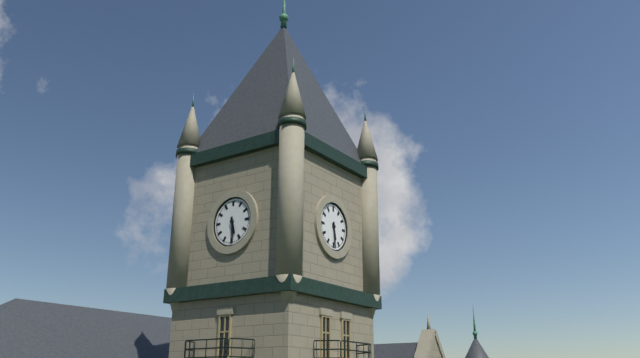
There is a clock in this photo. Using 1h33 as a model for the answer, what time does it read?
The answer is 5h29
